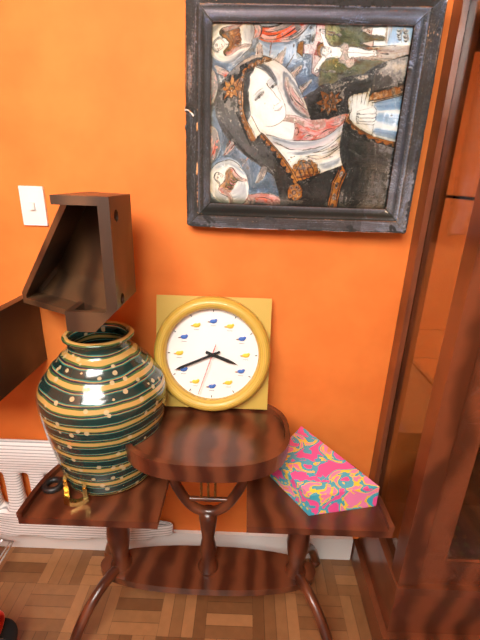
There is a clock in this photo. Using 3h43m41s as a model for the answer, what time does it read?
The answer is 3h41m33s
